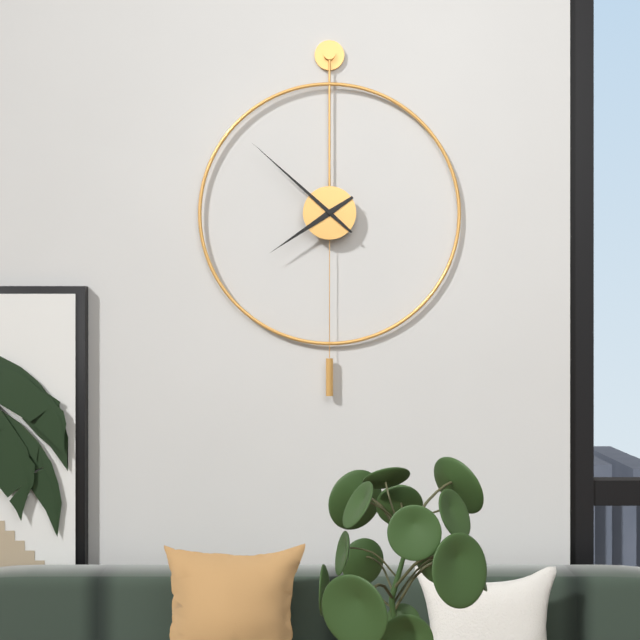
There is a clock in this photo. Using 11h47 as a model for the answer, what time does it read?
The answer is 7h52
